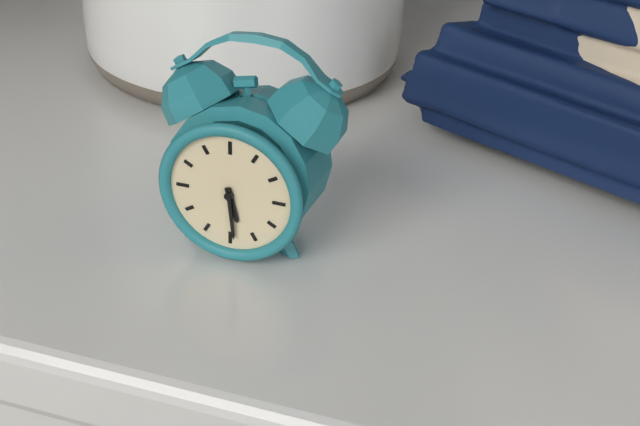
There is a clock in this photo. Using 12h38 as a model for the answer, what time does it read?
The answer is 5h29
